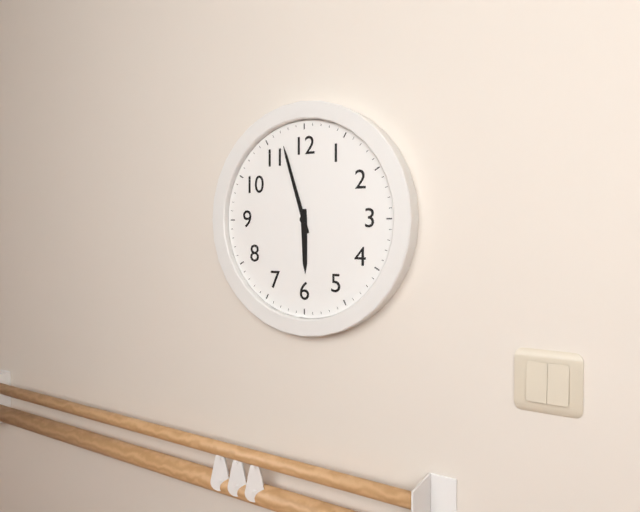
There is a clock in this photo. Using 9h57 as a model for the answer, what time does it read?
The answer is 5h57
